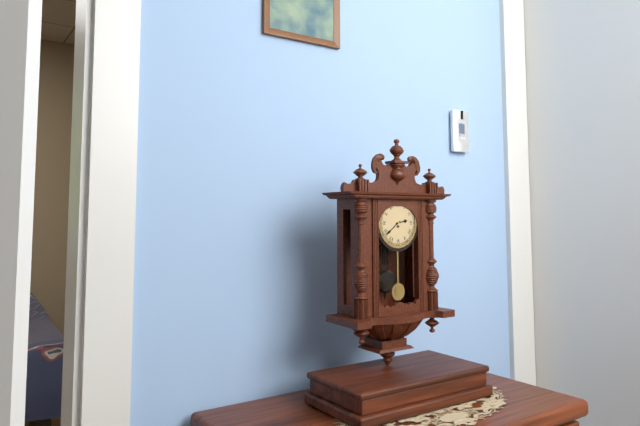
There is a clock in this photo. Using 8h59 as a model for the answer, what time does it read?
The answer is 2h39
